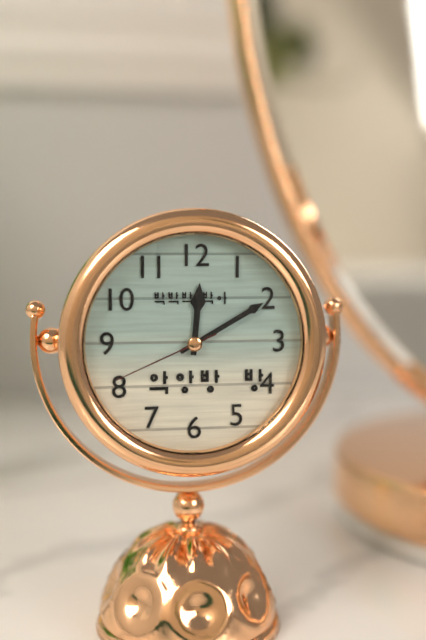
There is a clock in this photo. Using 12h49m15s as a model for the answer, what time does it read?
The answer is 12h10m41s
